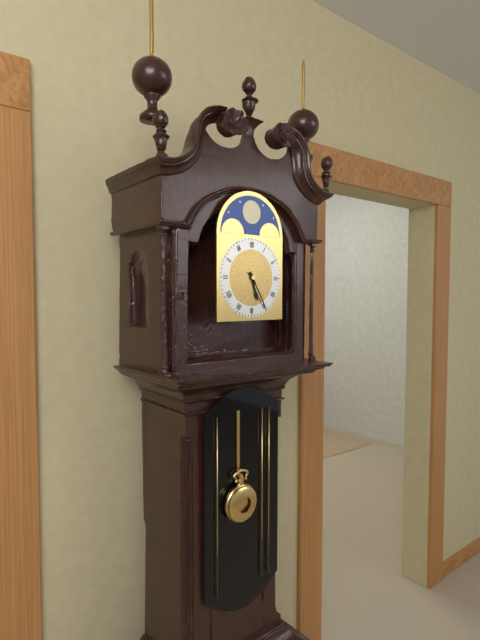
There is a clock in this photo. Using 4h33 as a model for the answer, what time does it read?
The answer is 5h25
